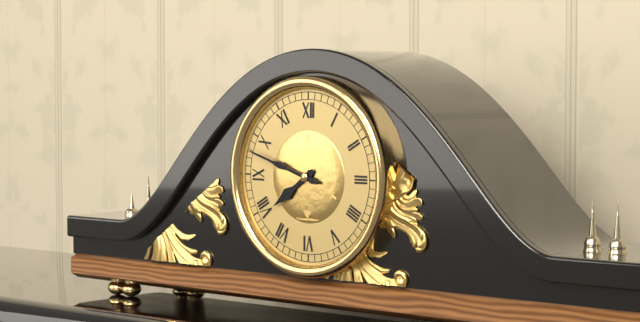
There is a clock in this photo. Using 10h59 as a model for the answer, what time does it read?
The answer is 7h48
